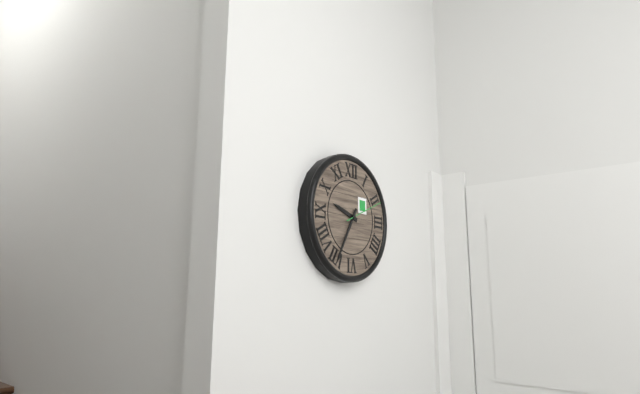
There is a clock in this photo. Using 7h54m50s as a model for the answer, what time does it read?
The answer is 9h35m11s
